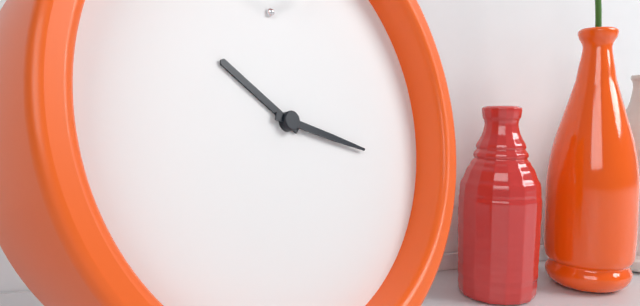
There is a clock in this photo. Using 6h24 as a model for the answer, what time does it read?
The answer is 10h18
